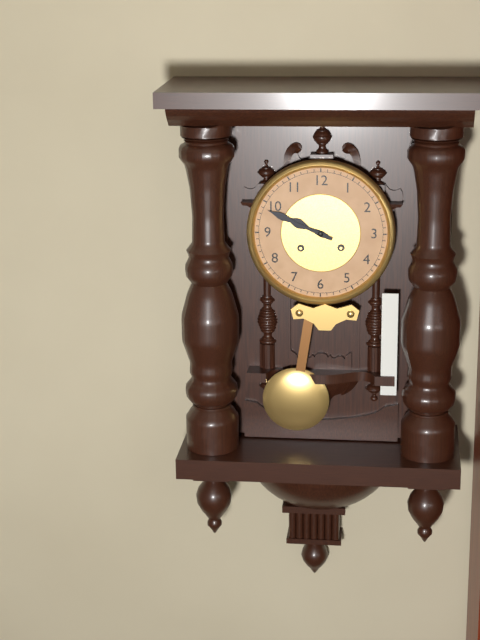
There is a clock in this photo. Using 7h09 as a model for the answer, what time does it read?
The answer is 9h49
